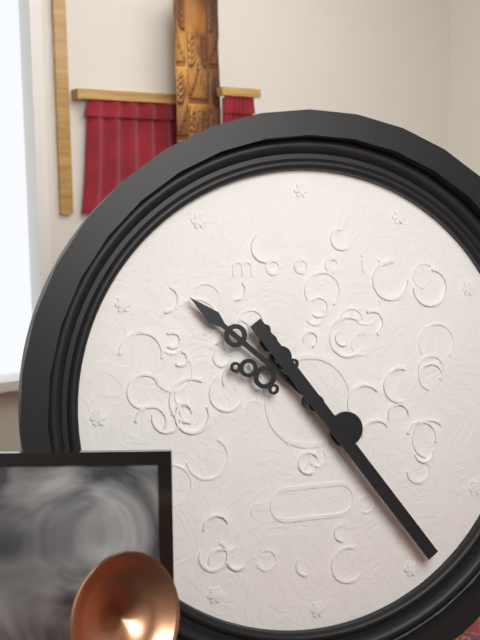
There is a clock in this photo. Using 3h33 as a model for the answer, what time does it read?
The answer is 10h24
